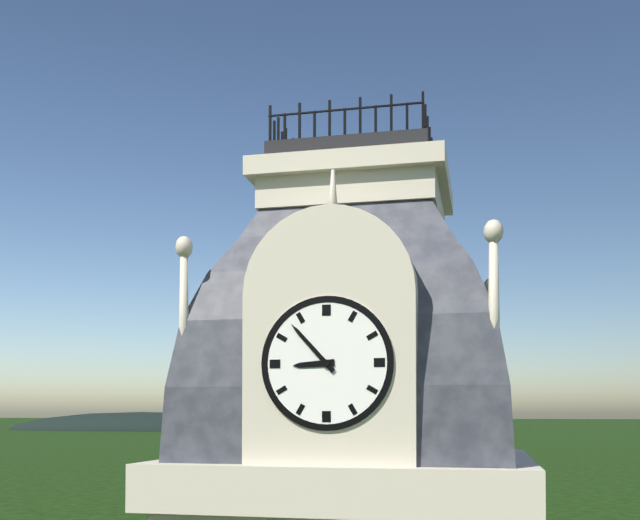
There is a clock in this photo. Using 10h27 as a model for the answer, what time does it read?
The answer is 8h53
